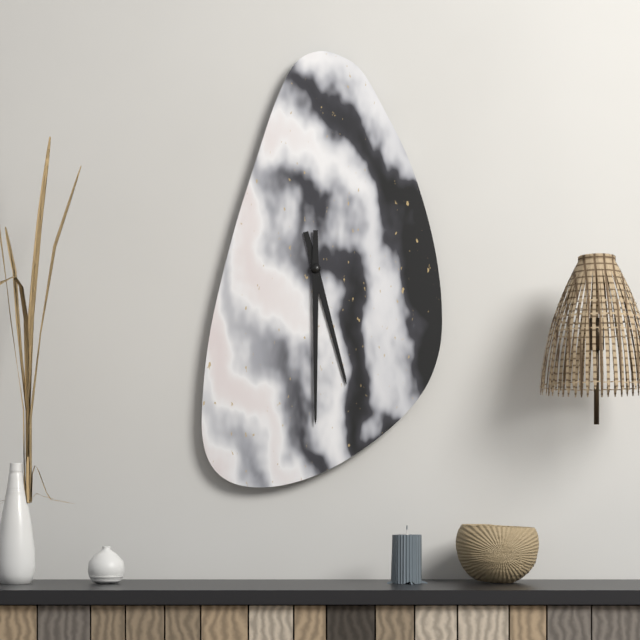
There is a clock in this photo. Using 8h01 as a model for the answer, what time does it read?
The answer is 5h30
